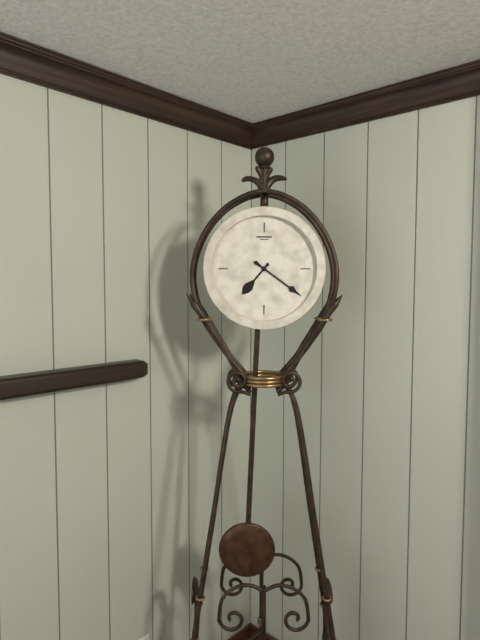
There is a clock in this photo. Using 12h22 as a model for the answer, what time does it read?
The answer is 7h21
